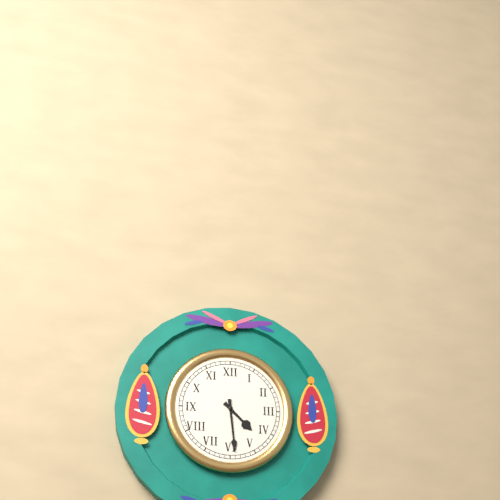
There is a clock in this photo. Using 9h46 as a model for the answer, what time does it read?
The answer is 4h29
